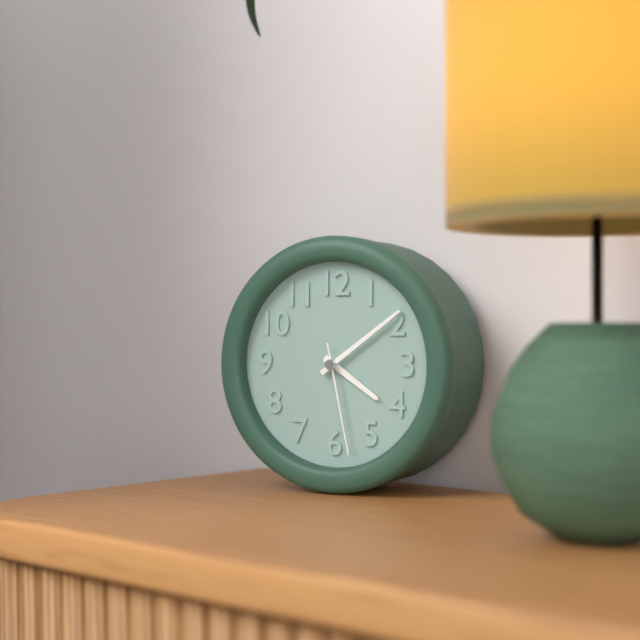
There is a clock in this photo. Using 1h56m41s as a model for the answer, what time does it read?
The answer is 4h09m28s
